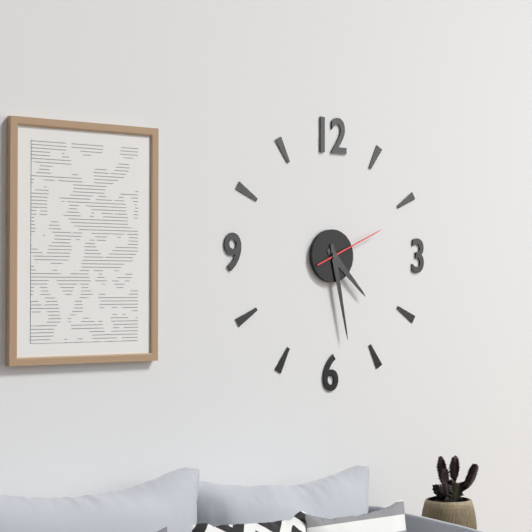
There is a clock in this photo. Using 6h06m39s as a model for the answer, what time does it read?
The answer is 4h28m11s
